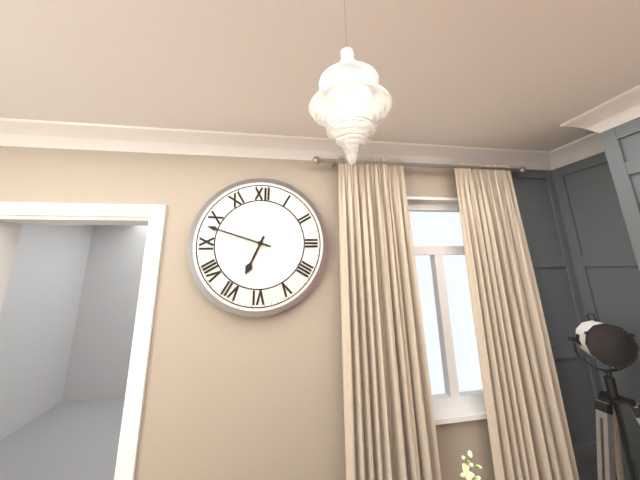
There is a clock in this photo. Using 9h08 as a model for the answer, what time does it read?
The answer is 6h48
